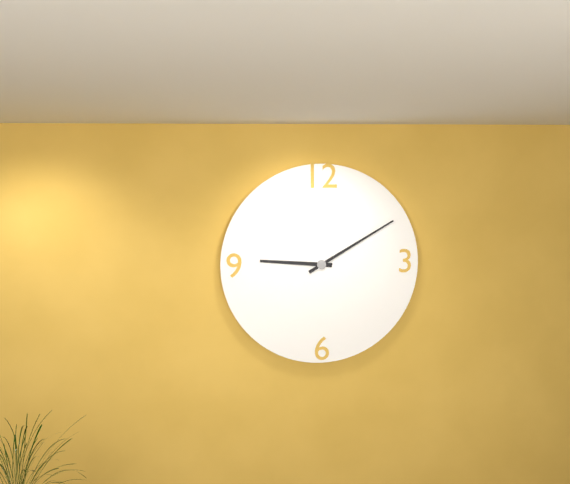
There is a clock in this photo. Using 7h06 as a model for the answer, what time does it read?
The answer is 9h10
